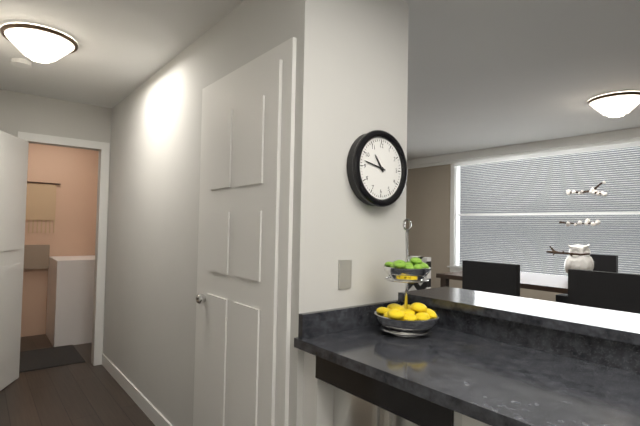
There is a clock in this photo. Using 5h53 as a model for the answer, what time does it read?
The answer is 10h47
